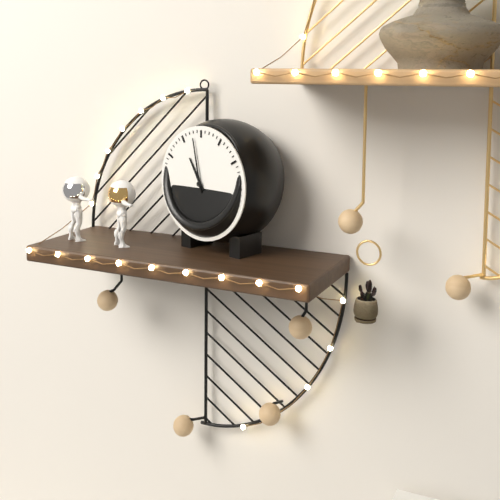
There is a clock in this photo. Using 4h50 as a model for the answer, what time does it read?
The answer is 10h58
